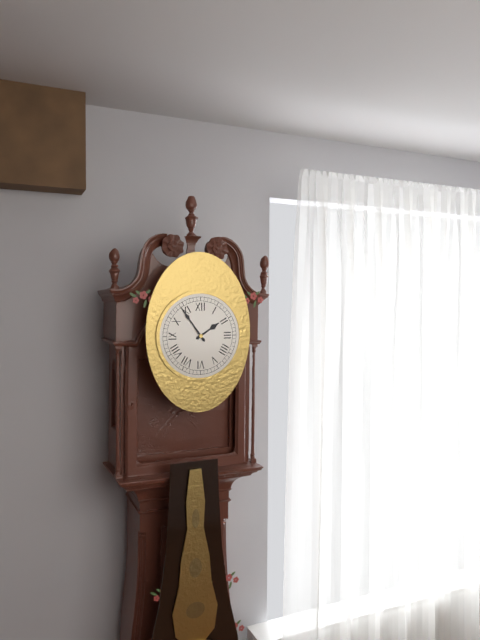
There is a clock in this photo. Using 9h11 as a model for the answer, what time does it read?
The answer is 1h54
